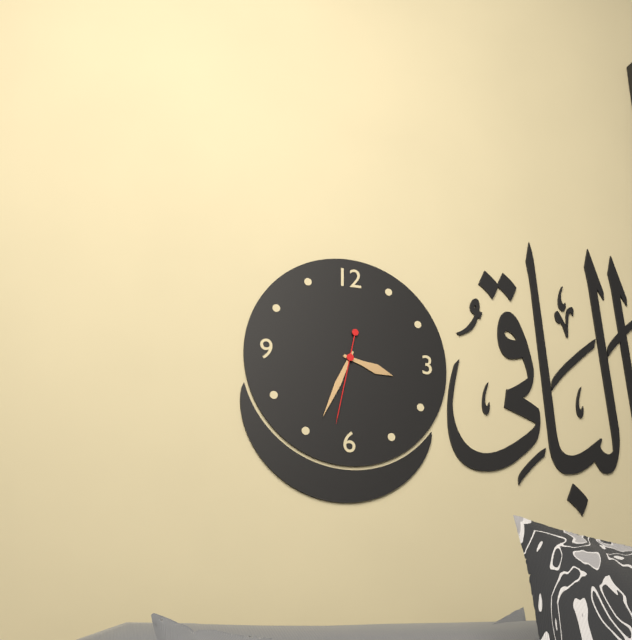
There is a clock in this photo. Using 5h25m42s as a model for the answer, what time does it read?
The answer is 3h34m32s
